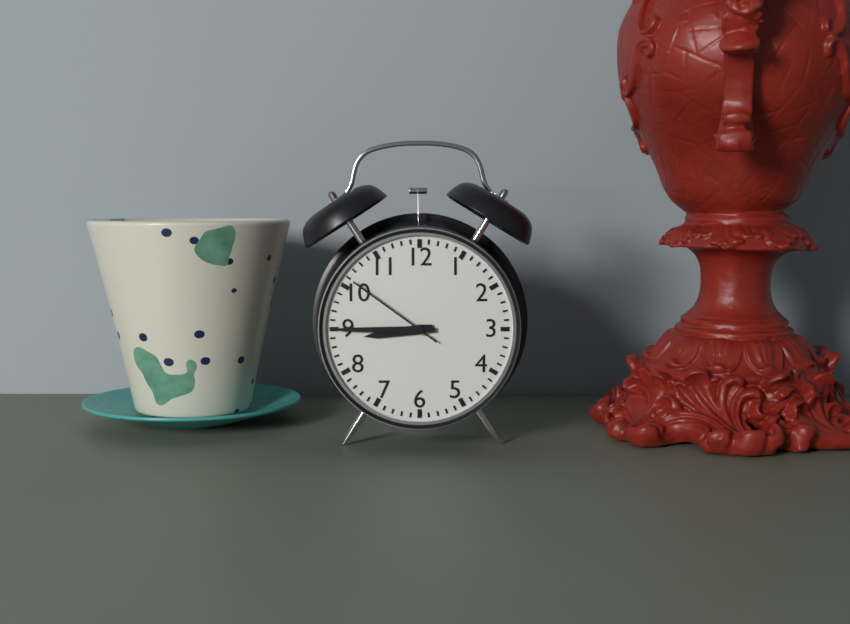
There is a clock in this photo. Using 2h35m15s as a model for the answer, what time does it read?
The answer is 8h45m51s
